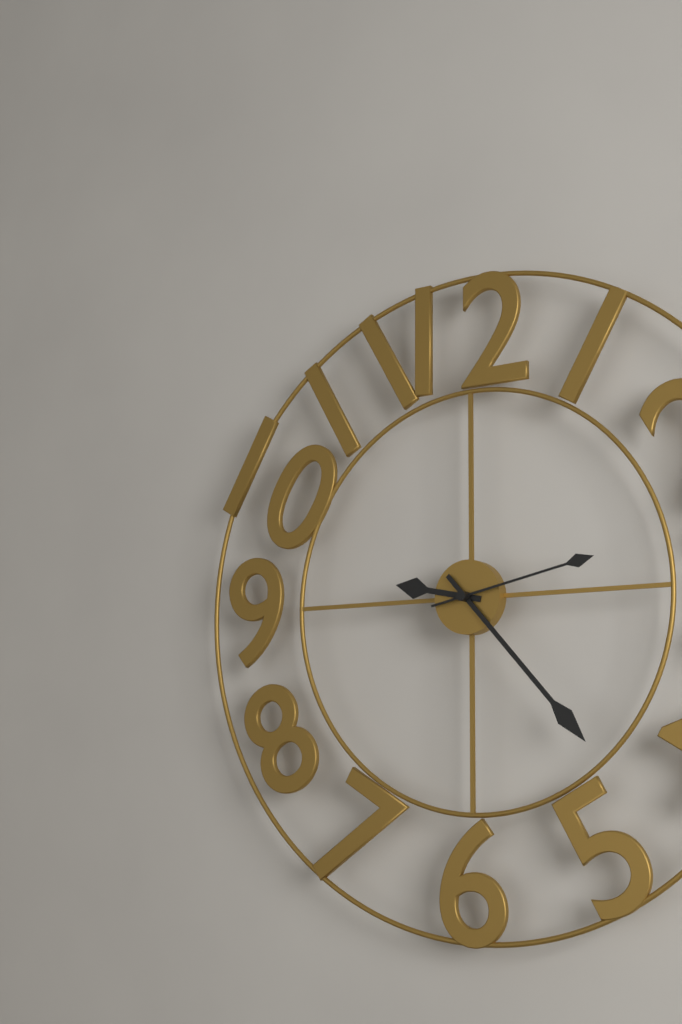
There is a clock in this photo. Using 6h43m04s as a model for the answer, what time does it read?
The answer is 9h23m13s
